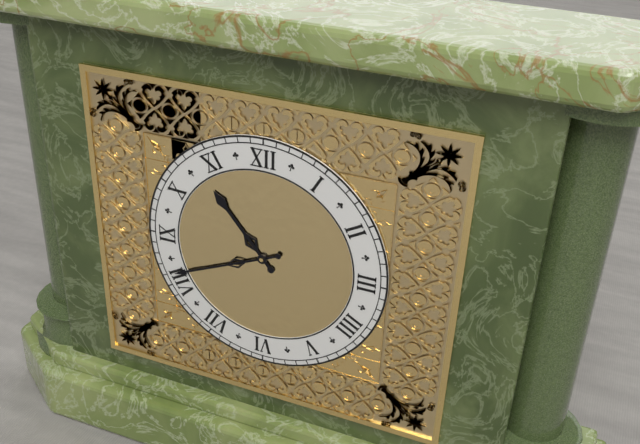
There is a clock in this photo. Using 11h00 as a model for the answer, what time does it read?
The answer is 10h41
